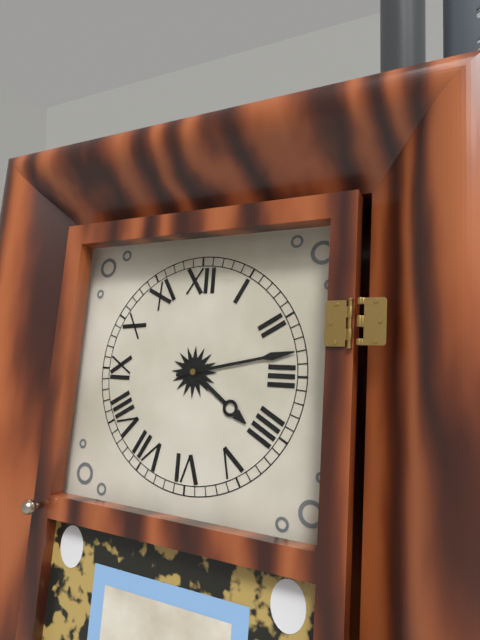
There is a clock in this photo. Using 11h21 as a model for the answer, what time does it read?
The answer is 4h13
